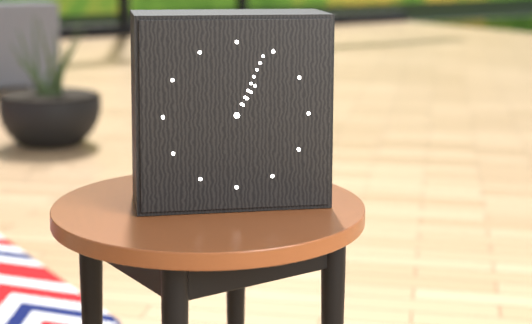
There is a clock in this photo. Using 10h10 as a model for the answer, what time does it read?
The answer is 1h04
